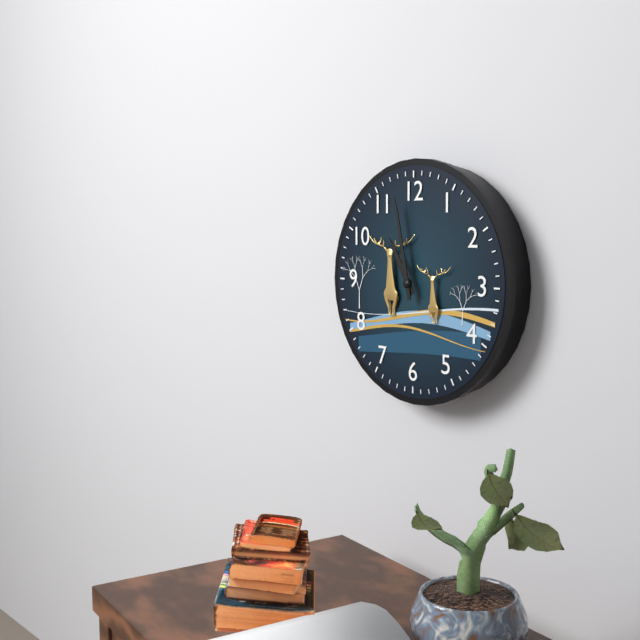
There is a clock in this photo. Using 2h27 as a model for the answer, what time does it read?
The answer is 10h58
